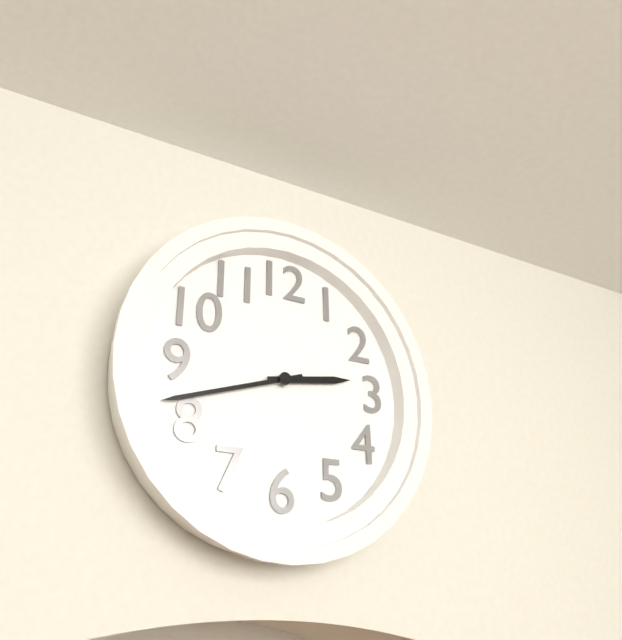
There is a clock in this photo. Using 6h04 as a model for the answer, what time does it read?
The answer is 2h42
